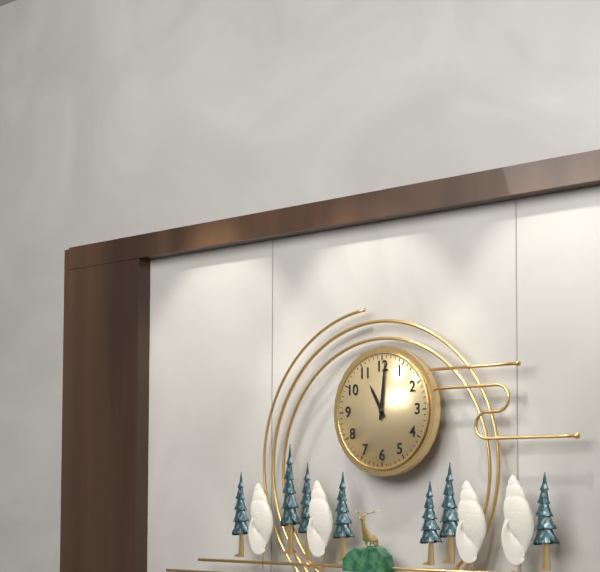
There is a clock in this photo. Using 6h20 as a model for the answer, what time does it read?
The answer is 11h01
